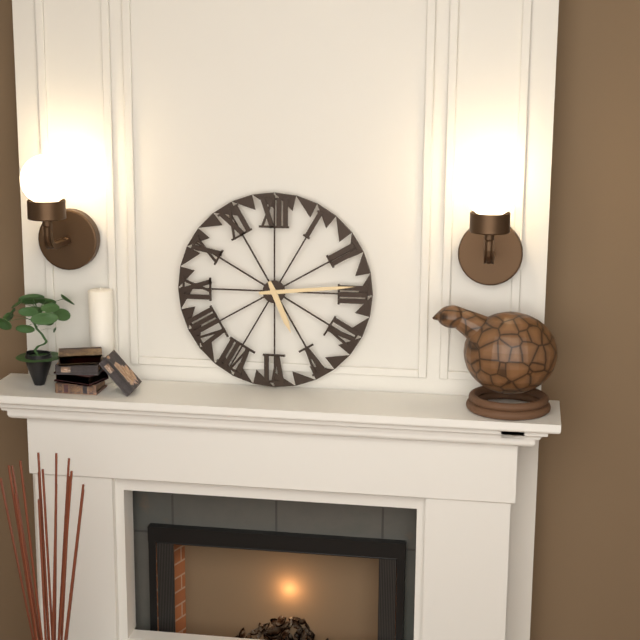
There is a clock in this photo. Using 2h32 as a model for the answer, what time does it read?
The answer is 5h14
